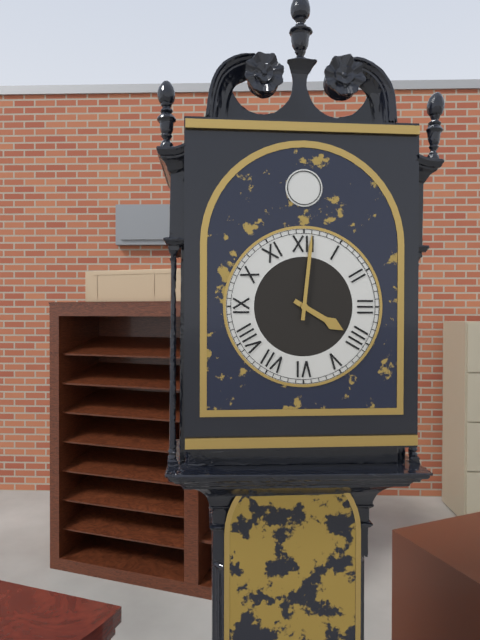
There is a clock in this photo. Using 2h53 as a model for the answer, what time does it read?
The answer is 4h01
